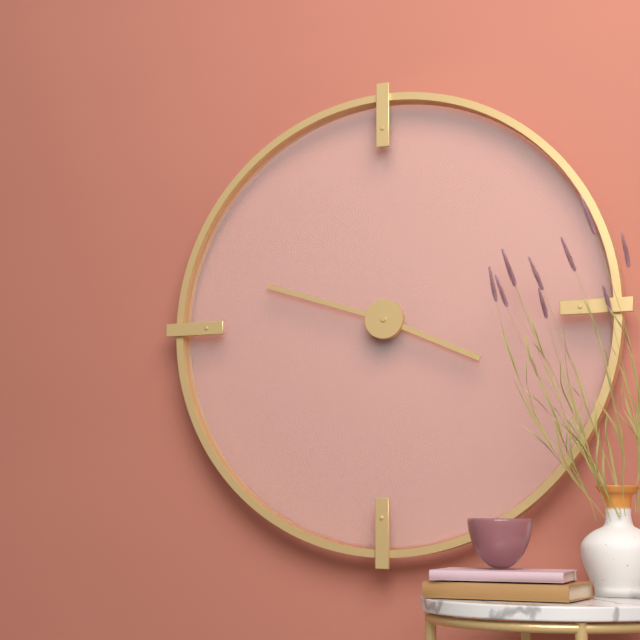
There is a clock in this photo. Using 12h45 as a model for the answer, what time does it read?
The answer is 3h48
